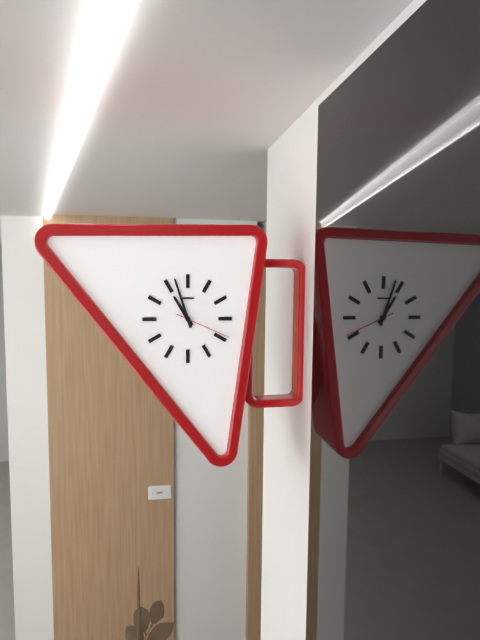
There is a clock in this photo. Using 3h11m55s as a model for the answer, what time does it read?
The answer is 10h57m19s
